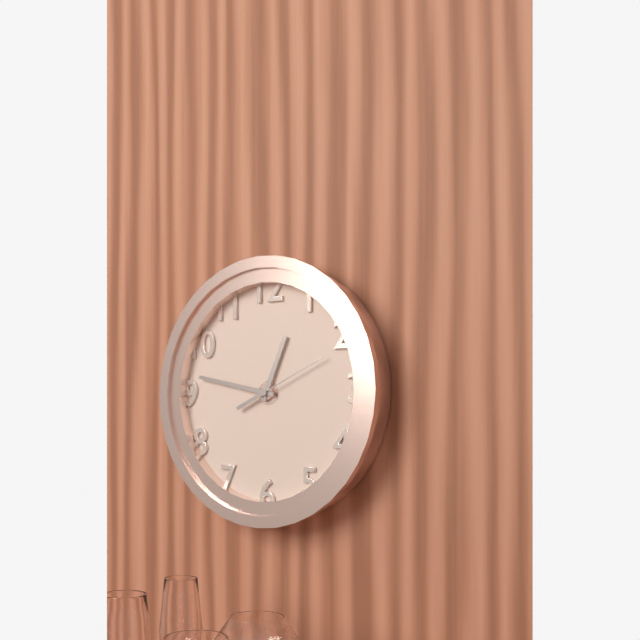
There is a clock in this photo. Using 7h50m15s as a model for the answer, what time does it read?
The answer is 12h47m11s
